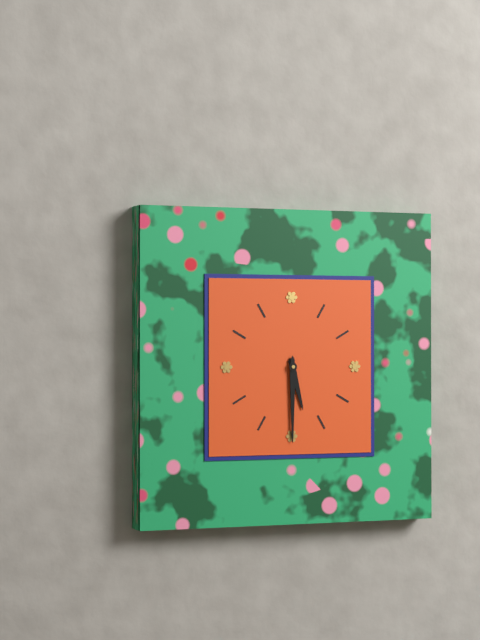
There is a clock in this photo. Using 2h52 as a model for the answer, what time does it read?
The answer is 5h30
